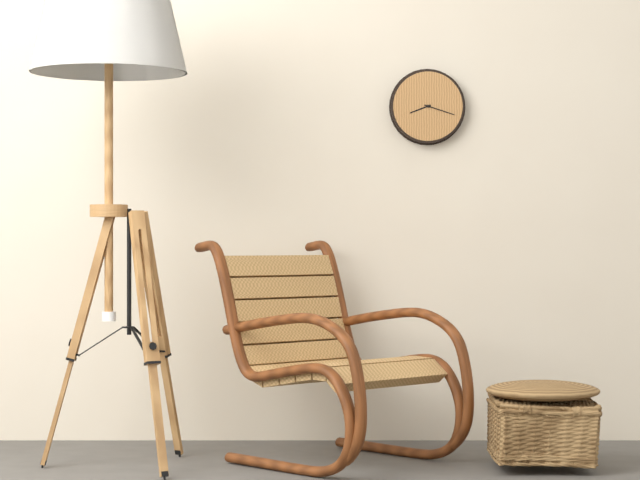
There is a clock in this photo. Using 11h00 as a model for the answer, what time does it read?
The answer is 8h18
